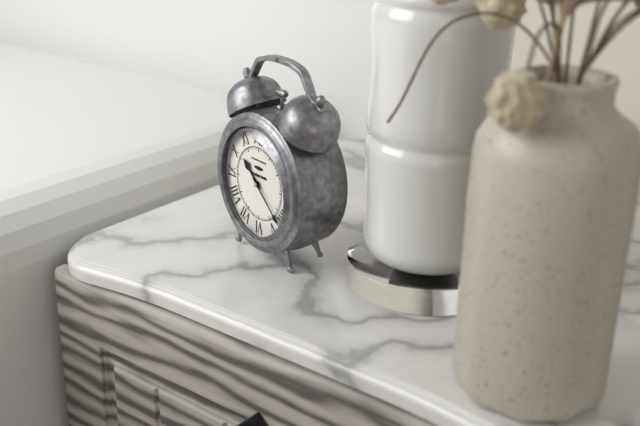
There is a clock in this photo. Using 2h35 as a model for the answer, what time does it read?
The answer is 10h22
